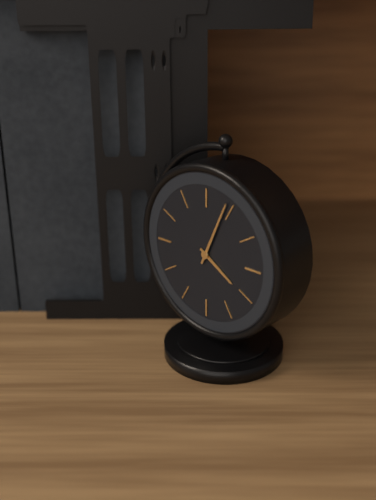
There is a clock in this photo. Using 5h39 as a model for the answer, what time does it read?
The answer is 4h04
